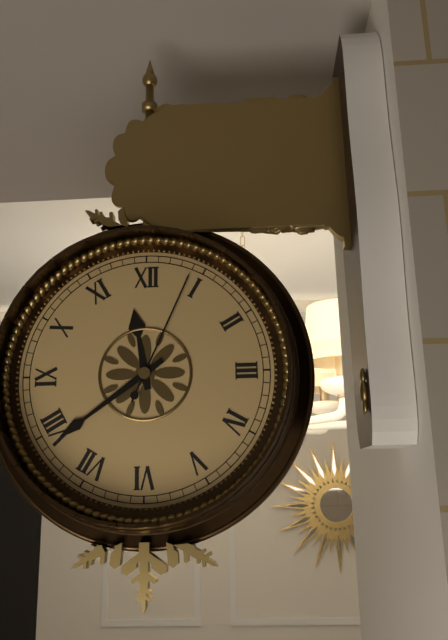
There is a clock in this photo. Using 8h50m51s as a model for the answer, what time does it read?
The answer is 11h39m04s
